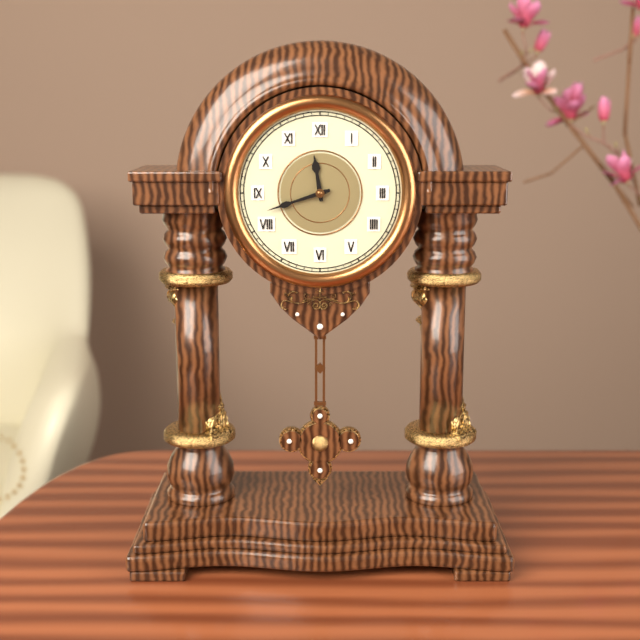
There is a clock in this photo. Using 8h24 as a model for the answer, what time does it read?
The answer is 11h42
